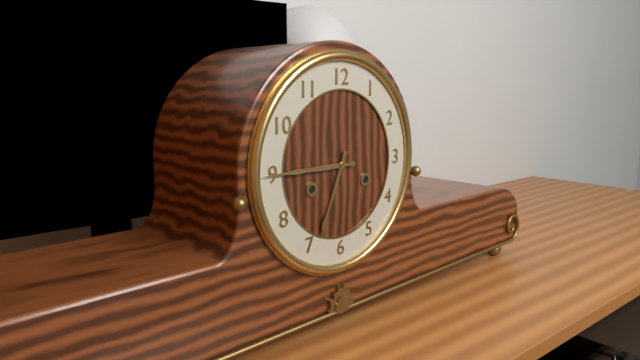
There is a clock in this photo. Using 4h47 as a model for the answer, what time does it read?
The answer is 6h45
